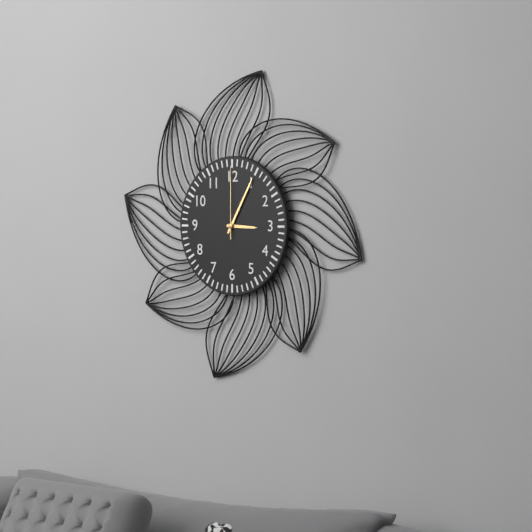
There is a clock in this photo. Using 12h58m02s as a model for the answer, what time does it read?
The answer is 3h05m00s
